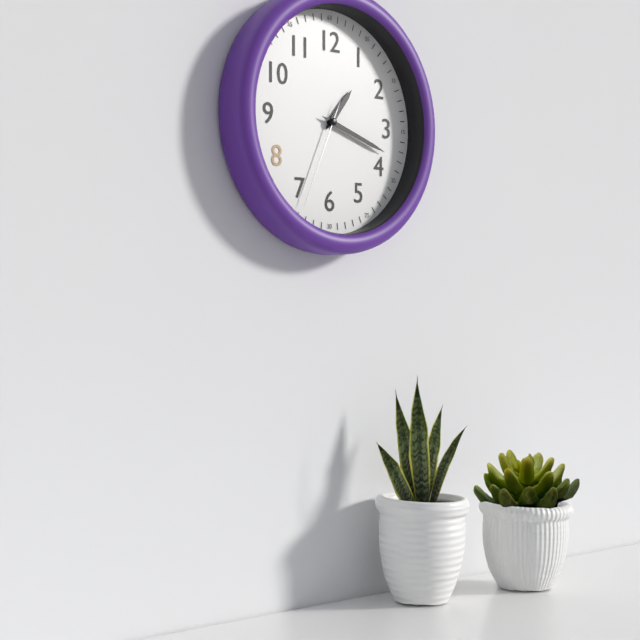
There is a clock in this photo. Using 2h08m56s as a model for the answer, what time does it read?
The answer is 1h18m34s
